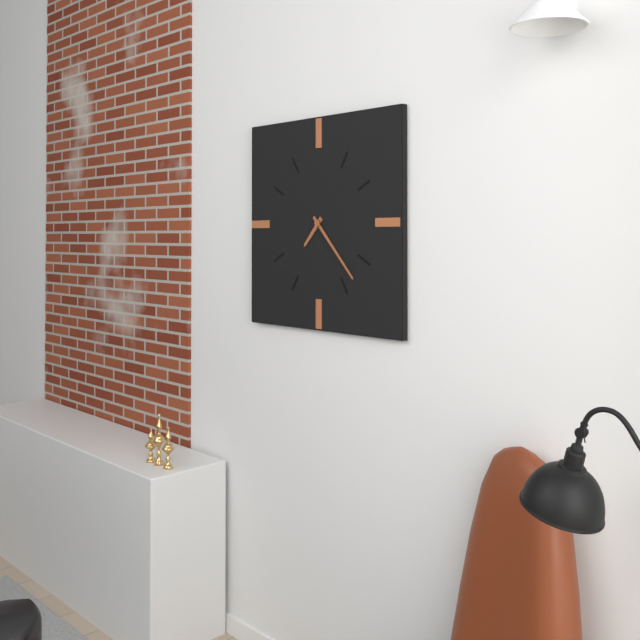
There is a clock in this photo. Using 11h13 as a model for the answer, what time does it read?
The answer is 7h23
